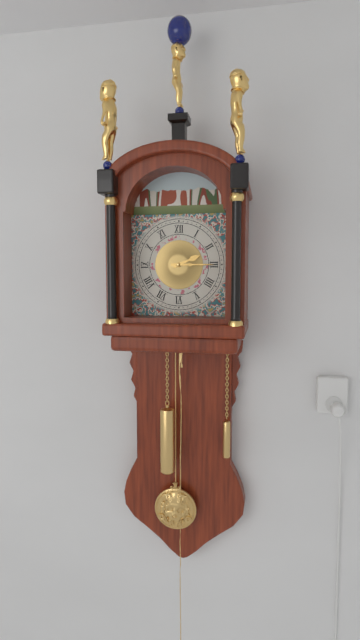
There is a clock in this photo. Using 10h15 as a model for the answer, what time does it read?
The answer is 2h15
